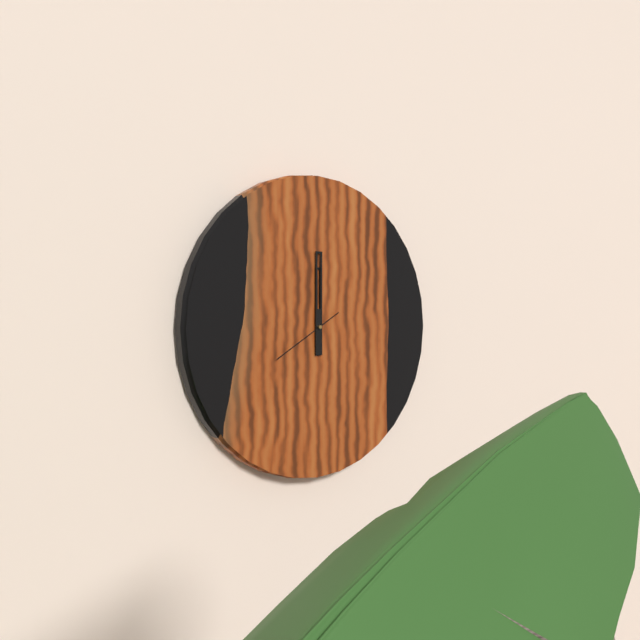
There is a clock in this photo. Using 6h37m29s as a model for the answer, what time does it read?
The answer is 12h00m40s
